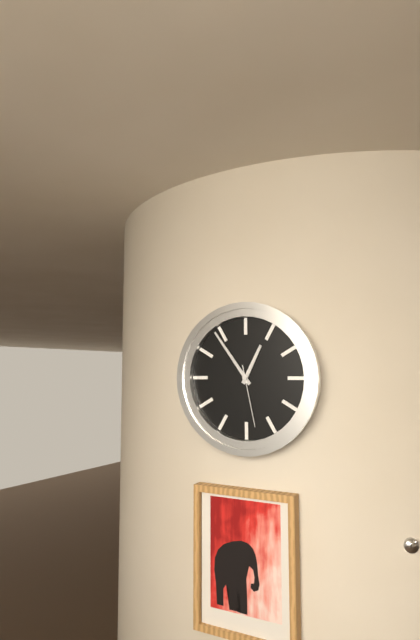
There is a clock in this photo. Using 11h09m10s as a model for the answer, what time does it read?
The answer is 12h54m28s
